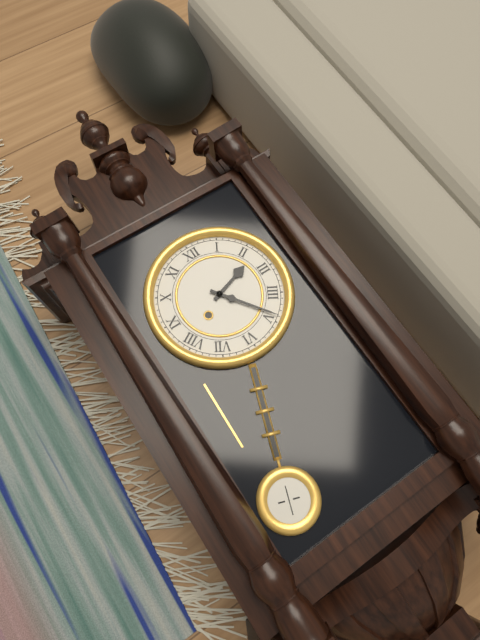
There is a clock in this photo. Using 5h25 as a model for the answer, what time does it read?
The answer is 2h24
